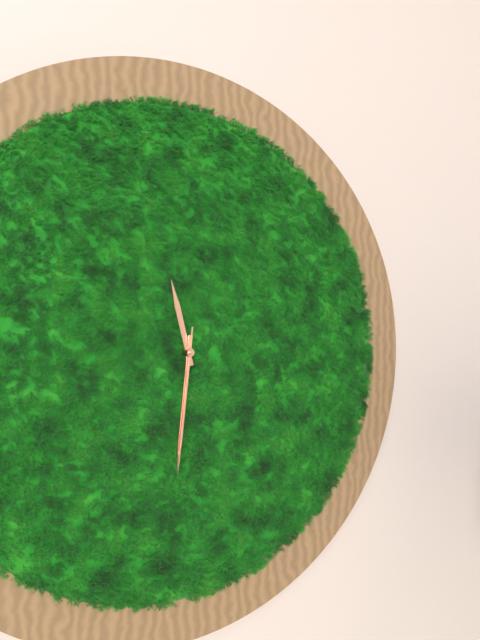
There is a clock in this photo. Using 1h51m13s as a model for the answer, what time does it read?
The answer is 11h31m31s
